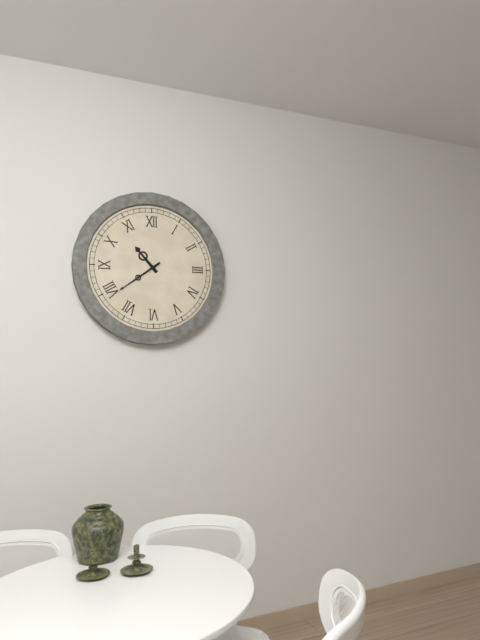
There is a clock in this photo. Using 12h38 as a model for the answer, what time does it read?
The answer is 10h39
